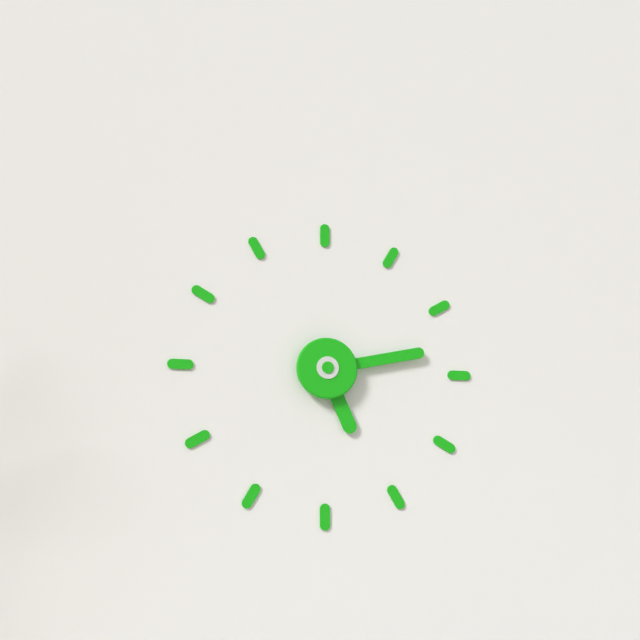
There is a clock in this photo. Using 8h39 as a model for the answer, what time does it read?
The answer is 5h13
